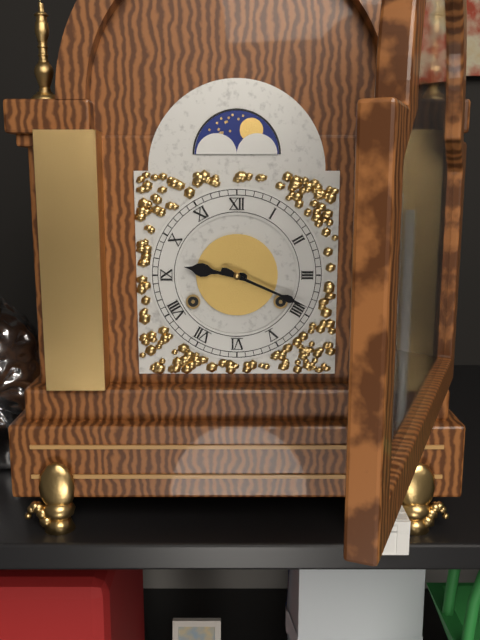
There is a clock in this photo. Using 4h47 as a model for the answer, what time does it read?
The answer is 9h19
